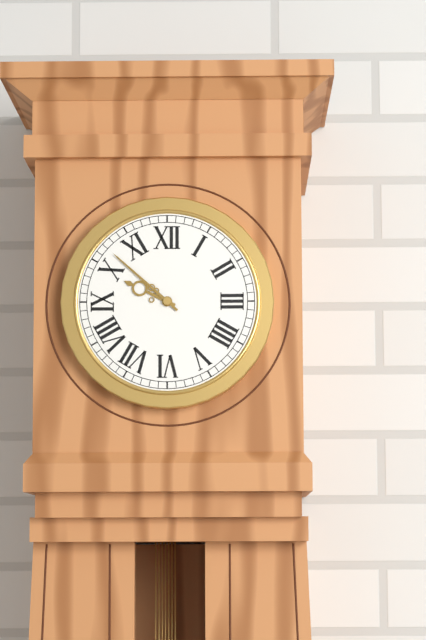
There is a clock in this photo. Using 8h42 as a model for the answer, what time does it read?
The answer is 9h52
